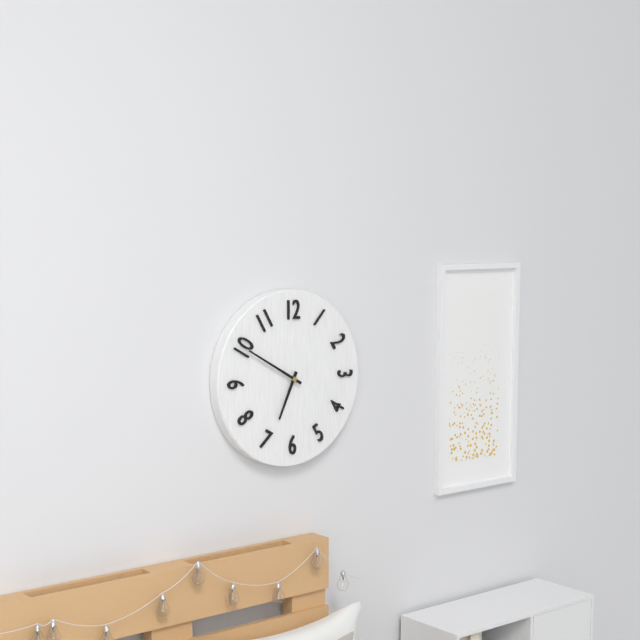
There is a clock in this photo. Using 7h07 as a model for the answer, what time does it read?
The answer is 6h50
